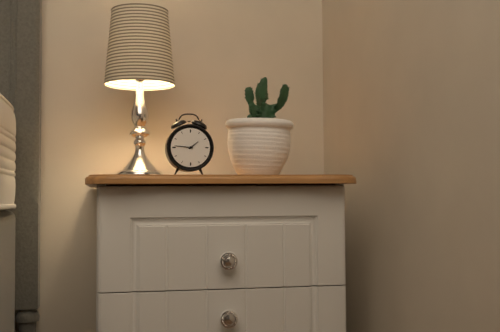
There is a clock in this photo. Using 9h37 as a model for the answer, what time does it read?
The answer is 1h46
